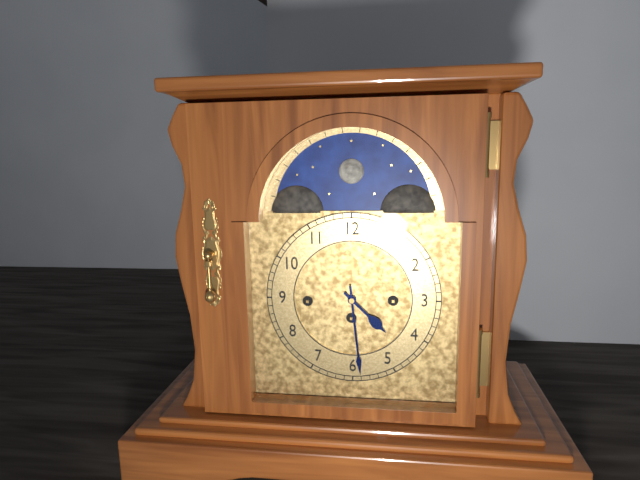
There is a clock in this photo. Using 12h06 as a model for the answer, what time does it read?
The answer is 4h29
